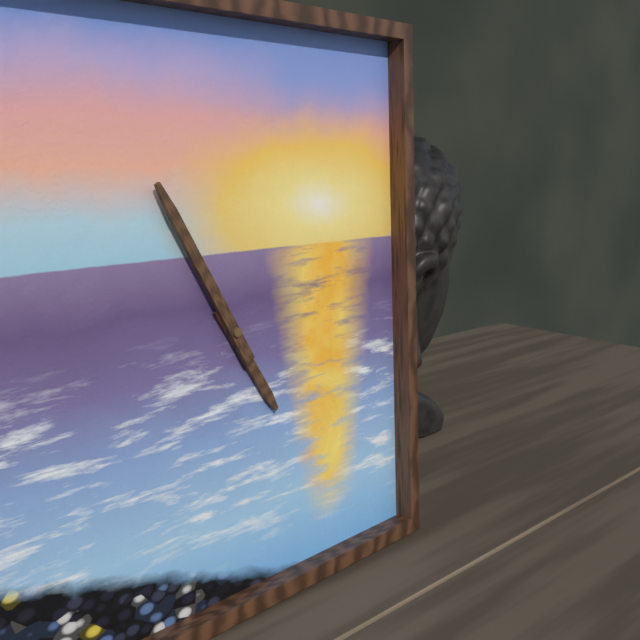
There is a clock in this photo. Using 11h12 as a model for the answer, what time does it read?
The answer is 4h55
